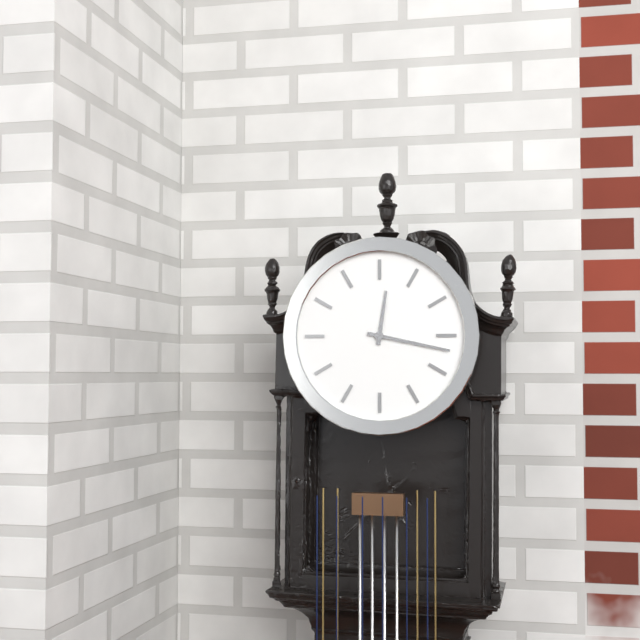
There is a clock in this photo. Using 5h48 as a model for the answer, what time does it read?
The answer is 12h17
